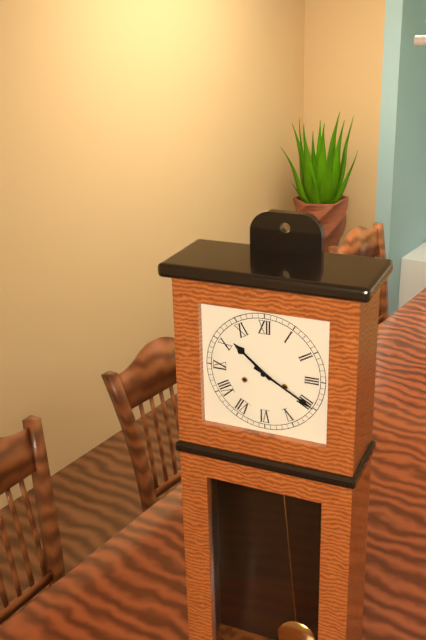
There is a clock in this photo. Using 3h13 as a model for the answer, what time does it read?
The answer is 10h20
